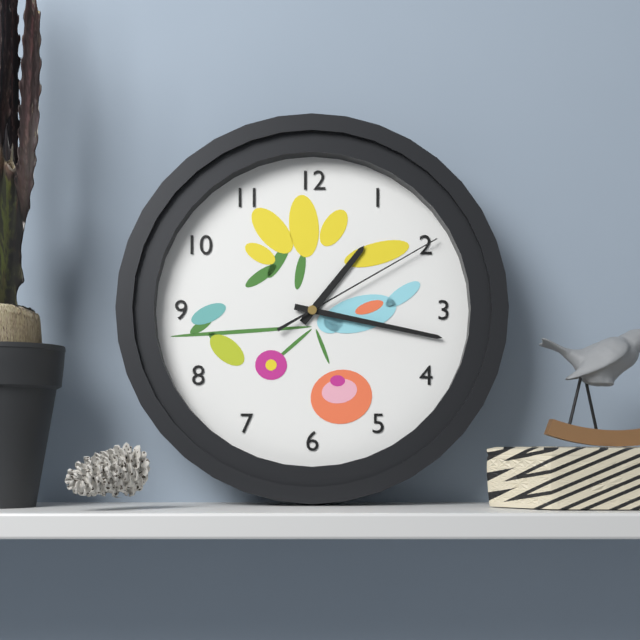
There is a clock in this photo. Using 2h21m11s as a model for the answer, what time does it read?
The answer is 1h17m10s
